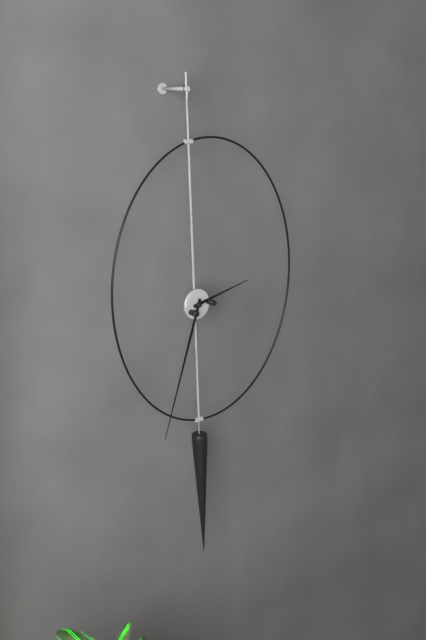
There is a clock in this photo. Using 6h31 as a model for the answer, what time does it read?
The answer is 2h33
